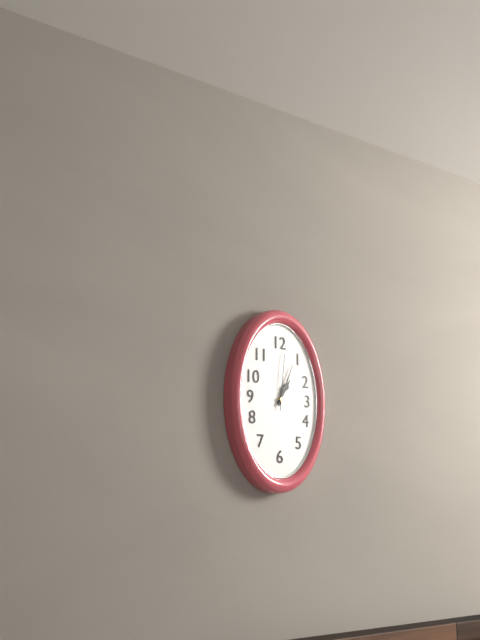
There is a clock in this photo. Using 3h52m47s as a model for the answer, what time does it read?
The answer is 1h04m01s
